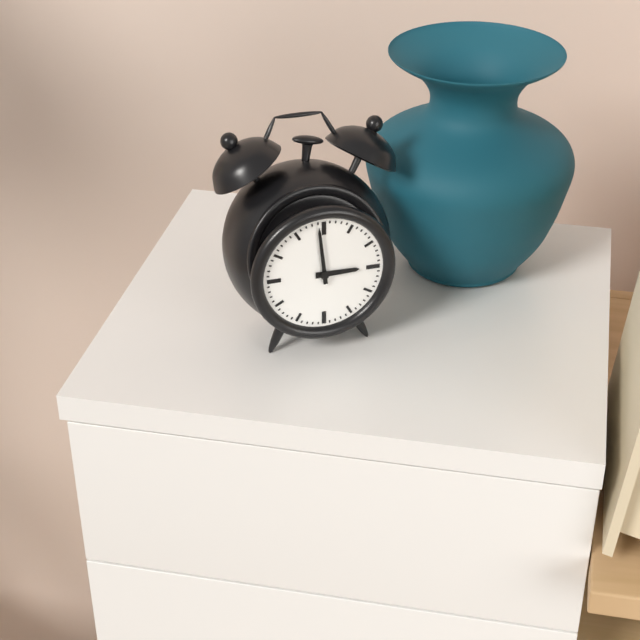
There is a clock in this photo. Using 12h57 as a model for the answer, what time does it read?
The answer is 2h59
